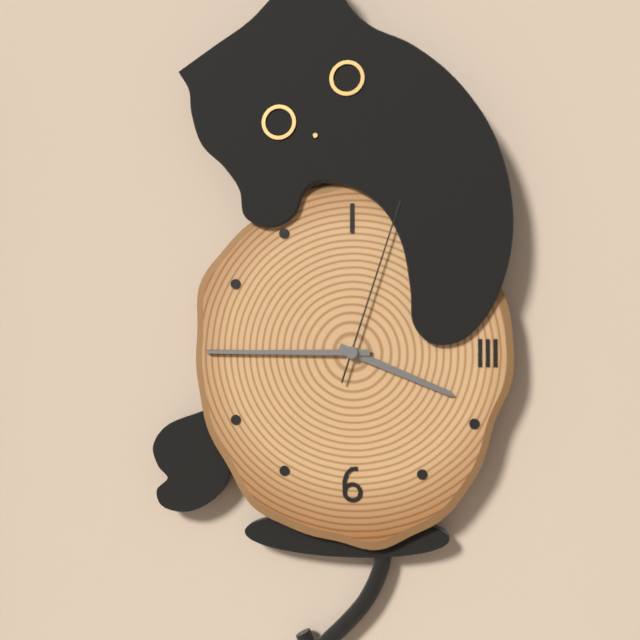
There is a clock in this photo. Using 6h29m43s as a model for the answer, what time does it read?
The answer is 3h45m03s
